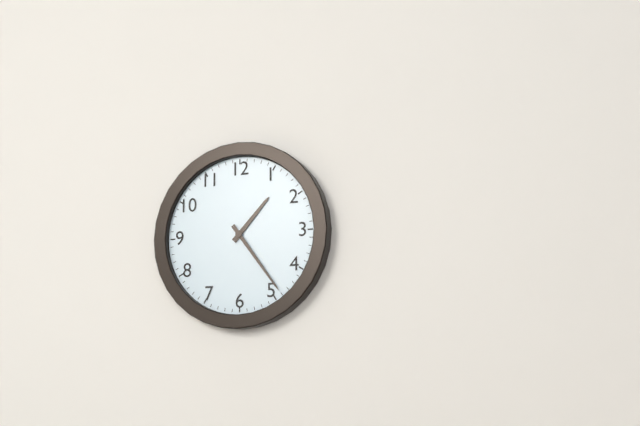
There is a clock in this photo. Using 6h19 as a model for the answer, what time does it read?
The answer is 1h24
